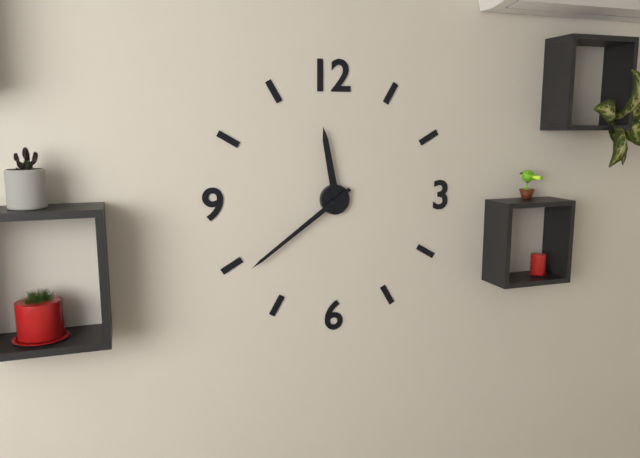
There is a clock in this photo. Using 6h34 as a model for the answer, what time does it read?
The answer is 11h39
